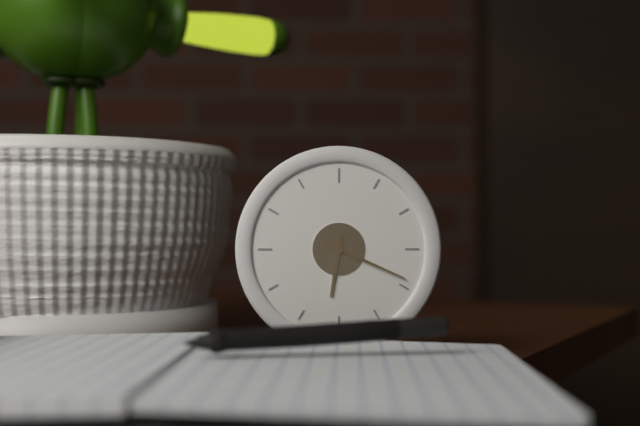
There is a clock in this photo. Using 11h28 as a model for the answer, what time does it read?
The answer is 6h19
